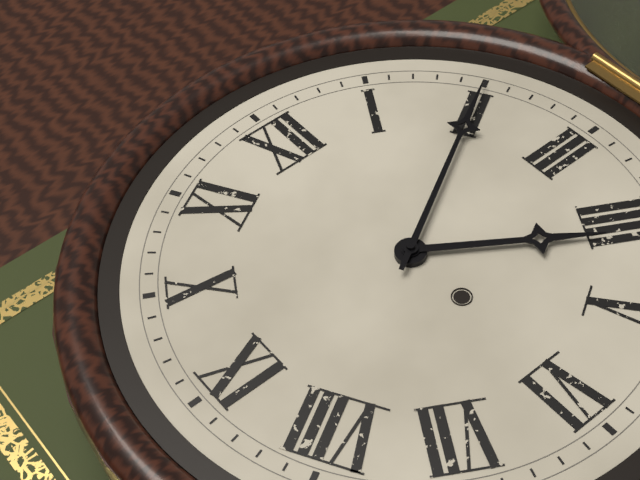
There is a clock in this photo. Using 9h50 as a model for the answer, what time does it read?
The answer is 4h10
